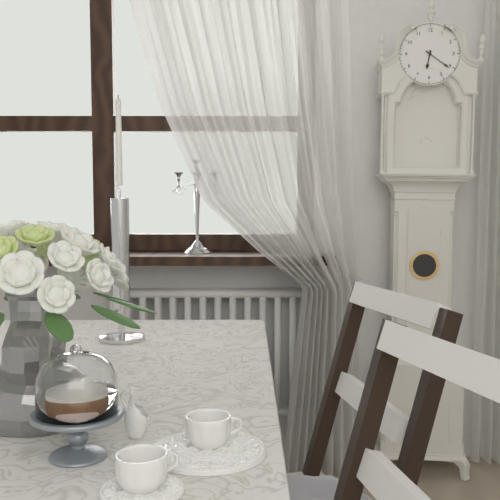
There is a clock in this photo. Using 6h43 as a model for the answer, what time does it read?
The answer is 6h21
